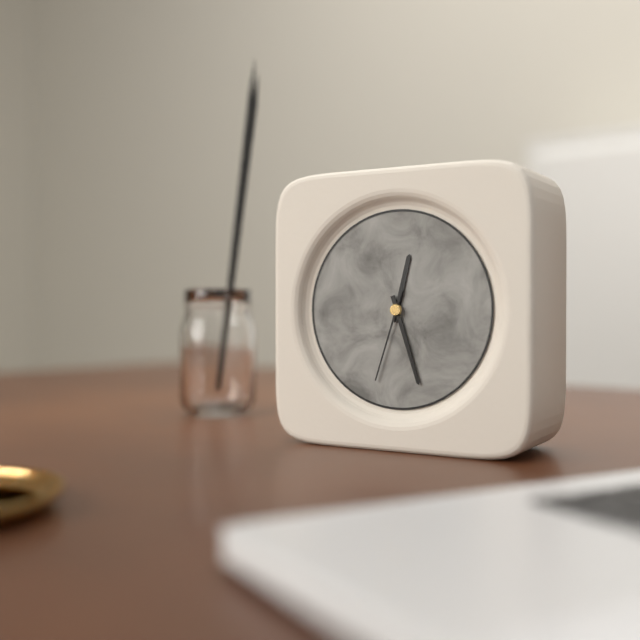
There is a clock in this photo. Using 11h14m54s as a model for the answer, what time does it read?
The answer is 12h27m33s
